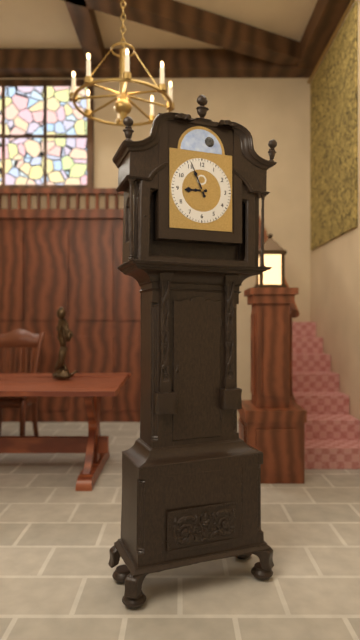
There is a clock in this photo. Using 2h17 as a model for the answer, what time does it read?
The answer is 8h56
